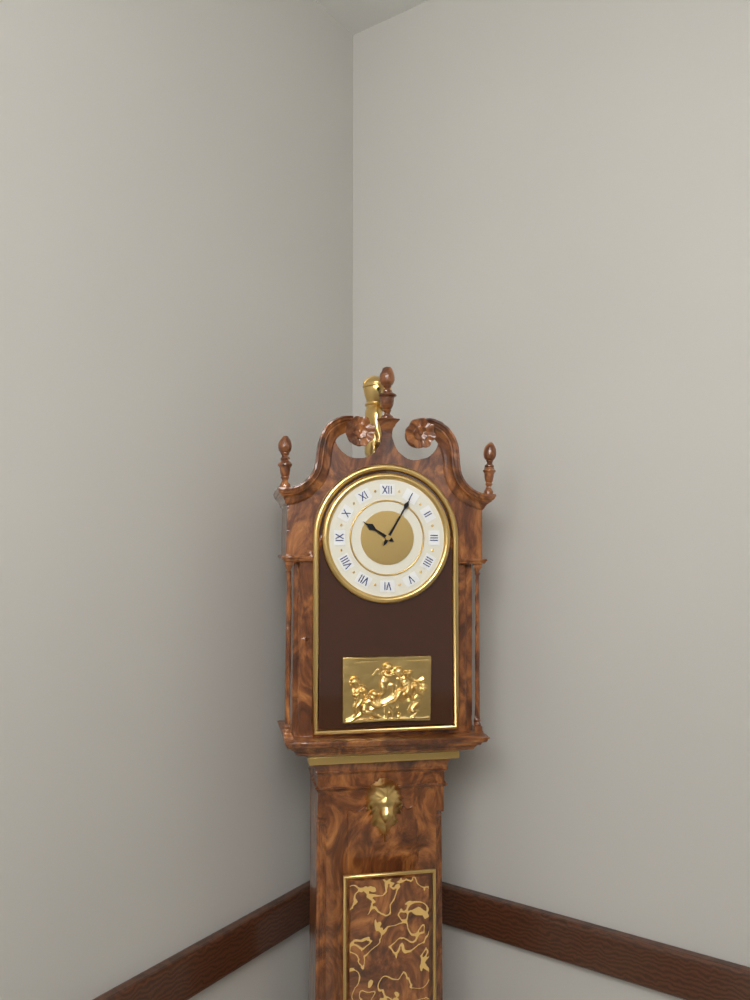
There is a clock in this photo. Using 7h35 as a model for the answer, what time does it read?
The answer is 10h05
